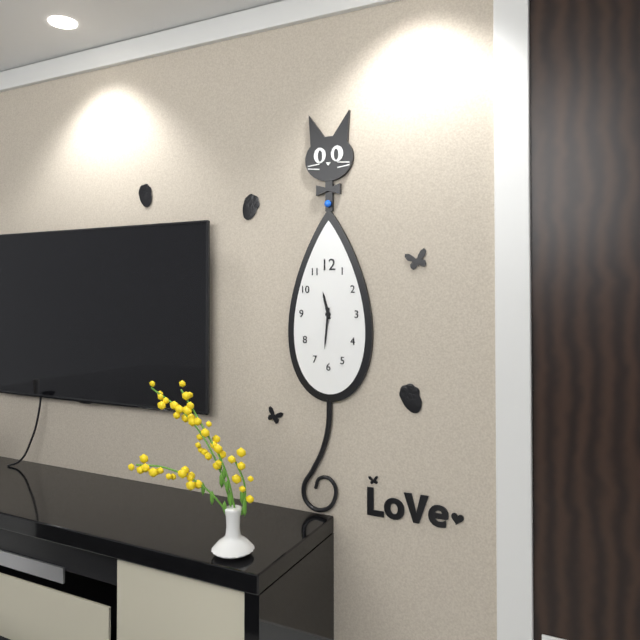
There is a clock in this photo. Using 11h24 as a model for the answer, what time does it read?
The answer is 11h31
